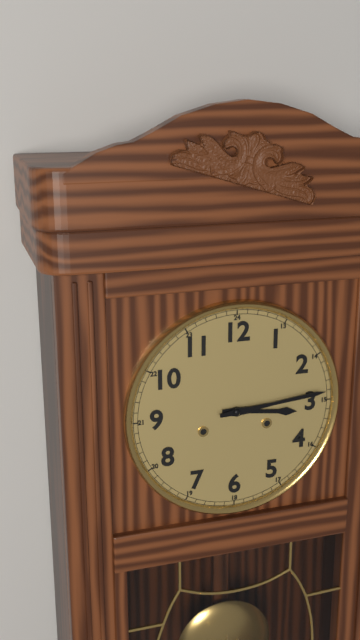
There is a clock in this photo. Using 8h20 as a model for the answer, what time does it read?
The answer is 3h14
